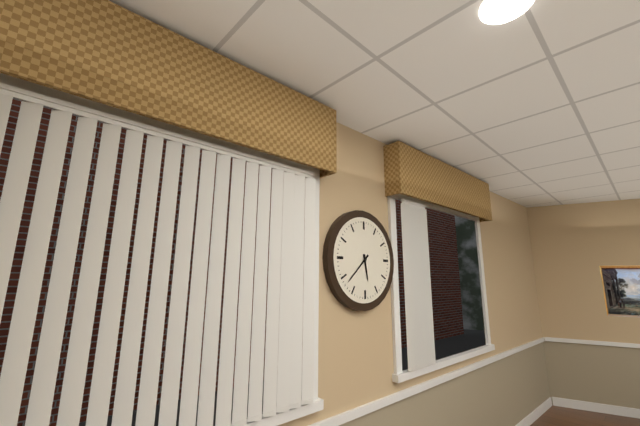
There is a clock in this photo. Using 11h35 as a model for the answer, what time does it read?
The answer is 5h38
